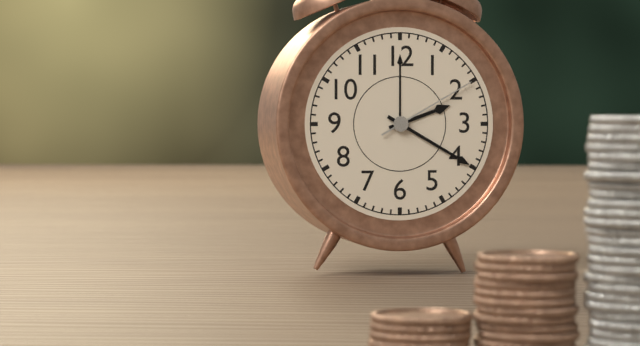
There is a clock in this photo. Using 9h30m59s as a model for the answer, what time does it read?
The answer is 2h20m10s
